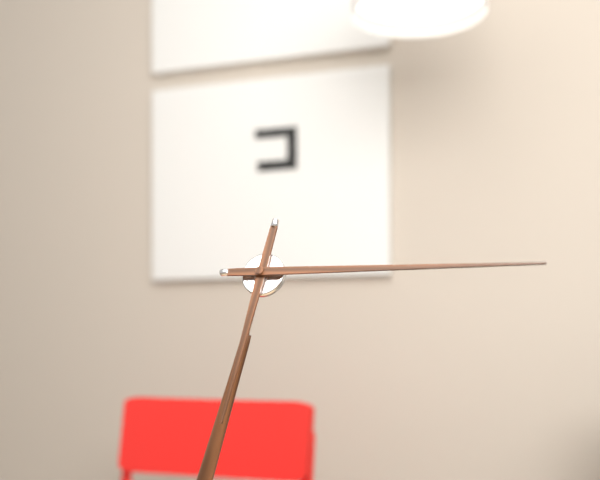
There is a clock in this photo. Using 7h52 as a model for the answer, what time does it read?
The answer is 6h15
